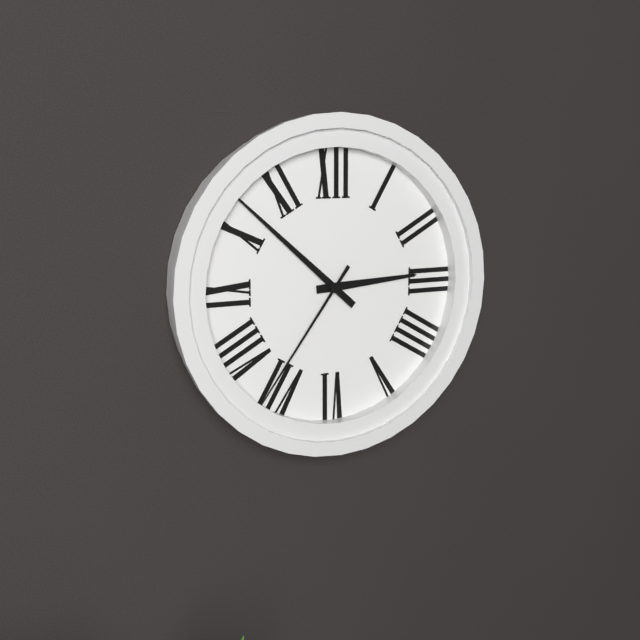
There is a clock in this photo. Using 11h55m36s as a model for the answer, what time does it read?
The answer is 2h52m36s
